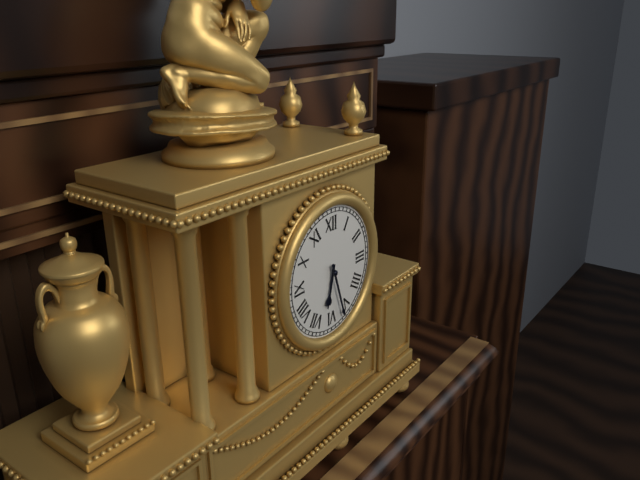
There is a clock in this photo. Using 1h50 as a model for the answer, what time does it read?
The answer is 6h27
